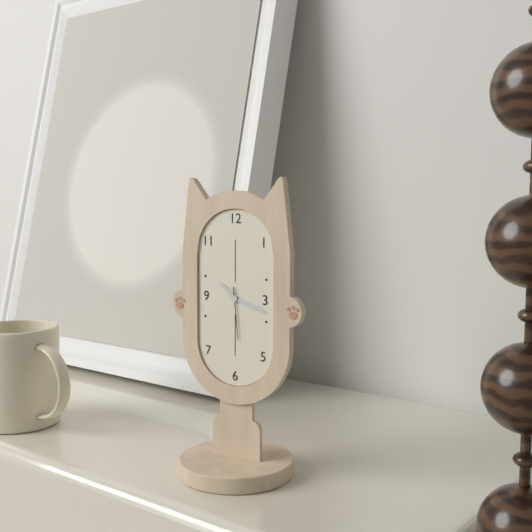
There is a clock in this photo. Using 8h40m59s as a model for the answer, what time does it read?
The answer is 10h18m29s
